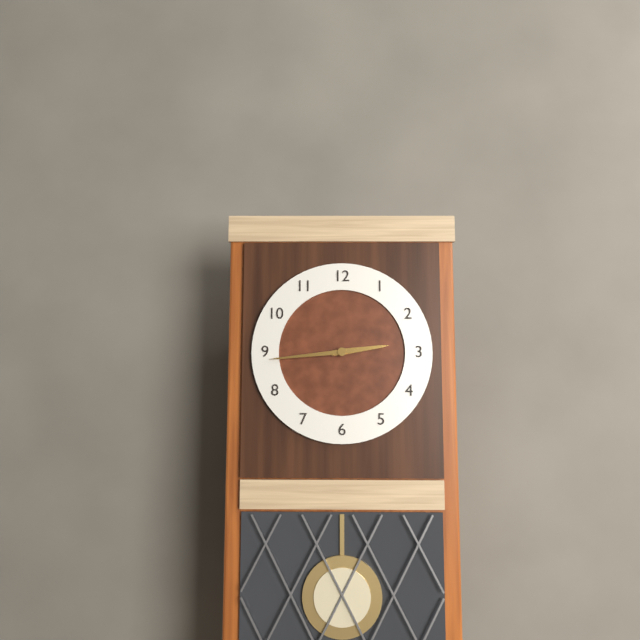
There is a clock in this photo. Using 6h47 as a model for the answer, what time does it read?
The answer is 2h44
